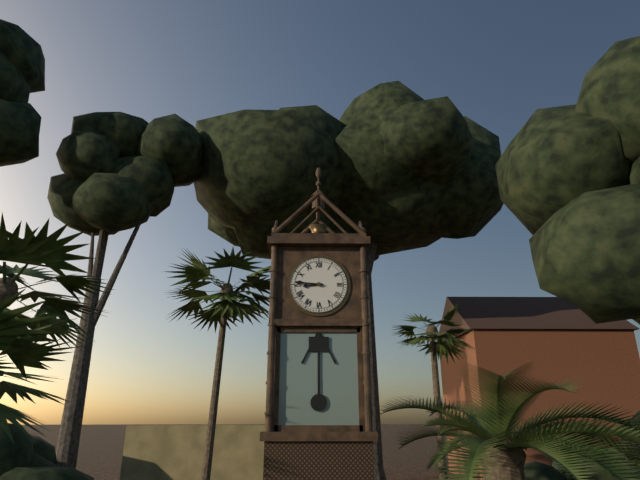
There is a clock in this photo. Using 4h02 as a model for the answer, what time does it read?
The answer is 8h46
